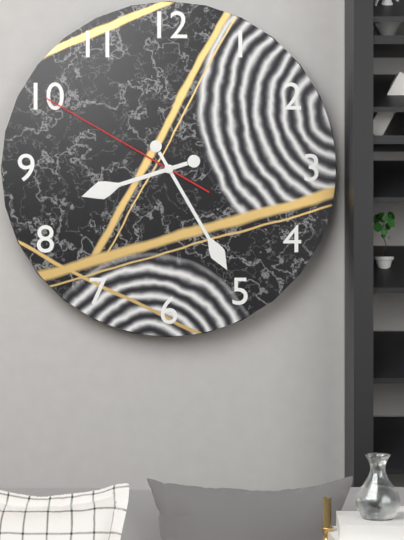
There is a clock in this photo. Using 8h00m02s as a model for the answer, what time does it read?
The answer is 8h25m50s
